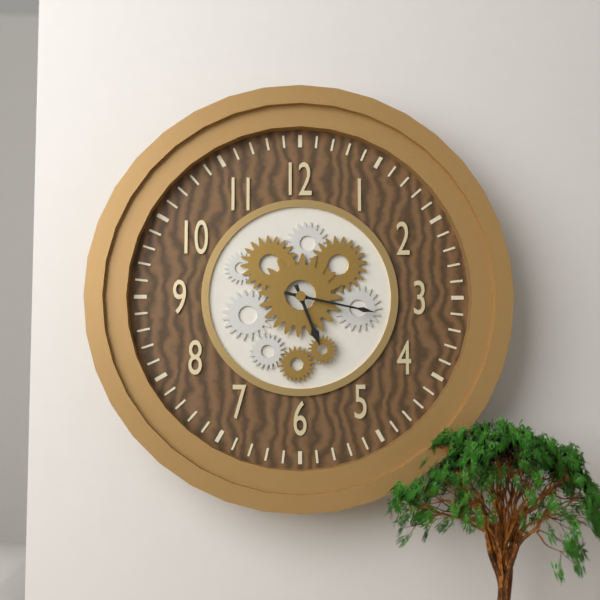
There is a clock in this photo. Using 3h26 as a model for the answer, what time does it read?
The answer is 5h17
